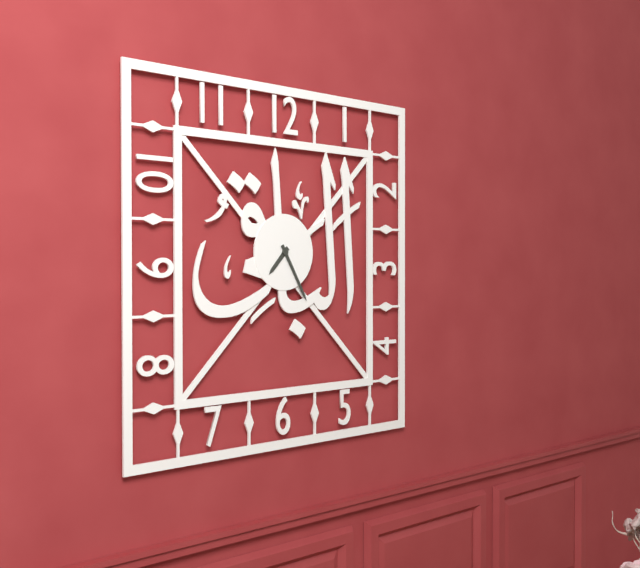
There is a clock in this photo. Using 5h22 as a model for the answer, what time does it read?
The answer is 7h25
